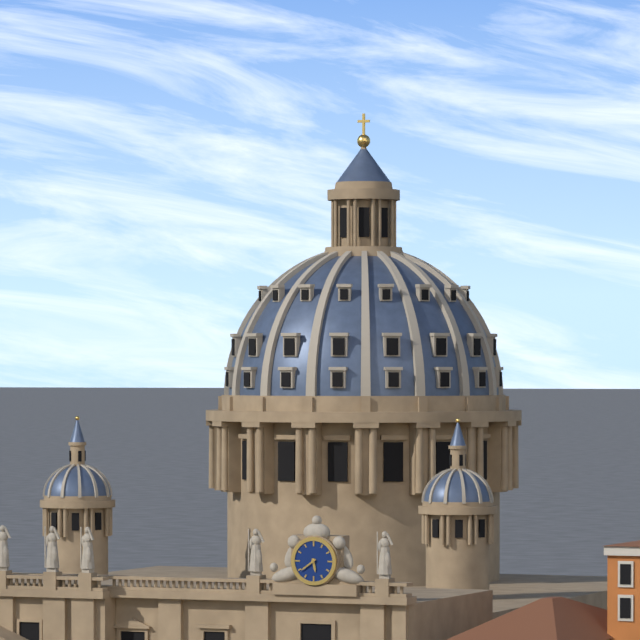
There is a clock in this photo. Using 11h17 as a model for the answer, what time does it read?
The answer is 5h39
